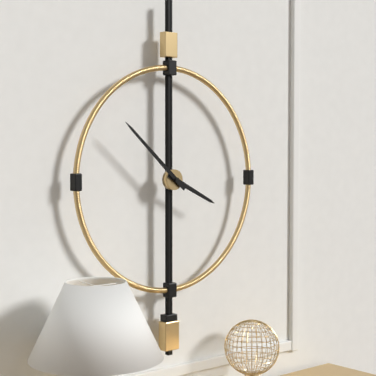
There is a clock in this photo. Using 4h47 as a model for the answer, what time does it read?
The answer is 3h52
